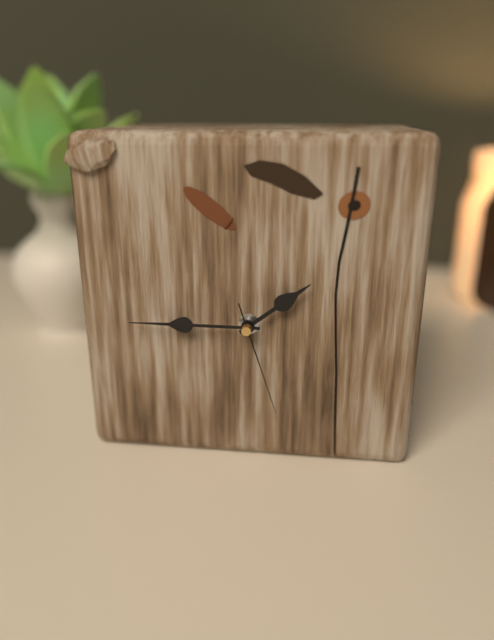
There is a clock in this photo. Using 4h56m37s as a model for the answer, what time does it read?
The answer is 1h45m27s
